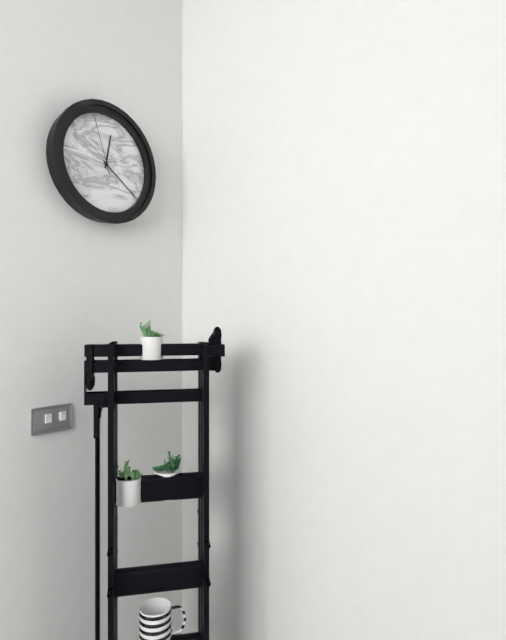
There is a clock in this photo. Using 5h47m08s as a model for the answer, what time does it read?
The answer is 12h21m57s
